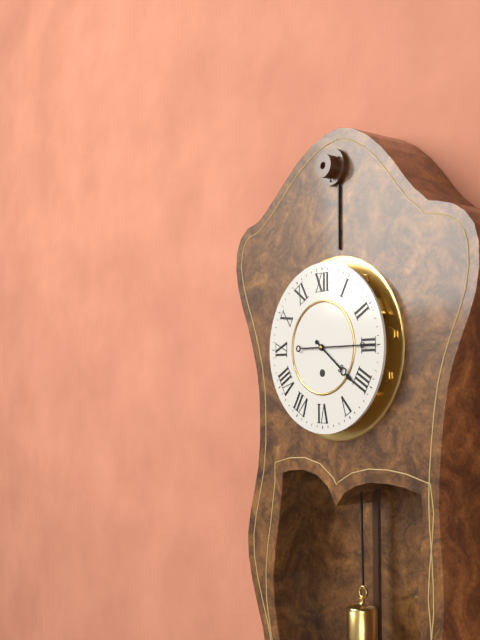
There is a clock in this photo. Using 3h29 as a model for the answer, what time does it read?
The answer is 4h15
